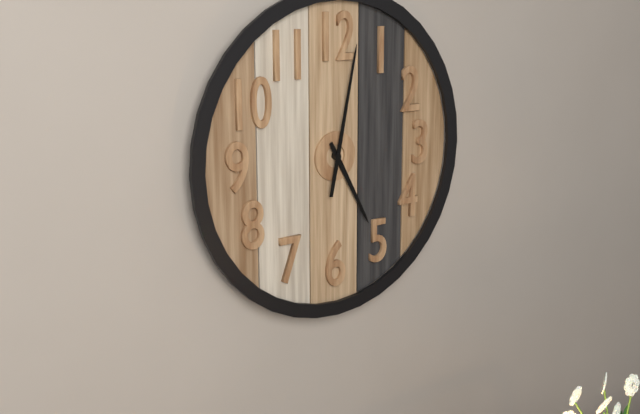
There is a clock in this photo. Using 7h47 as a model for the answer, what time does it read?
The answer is 5h02
